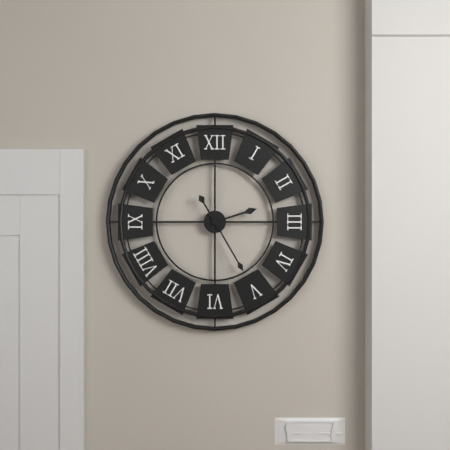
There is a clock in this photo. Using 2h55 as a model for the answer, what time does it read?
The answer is 2h25
